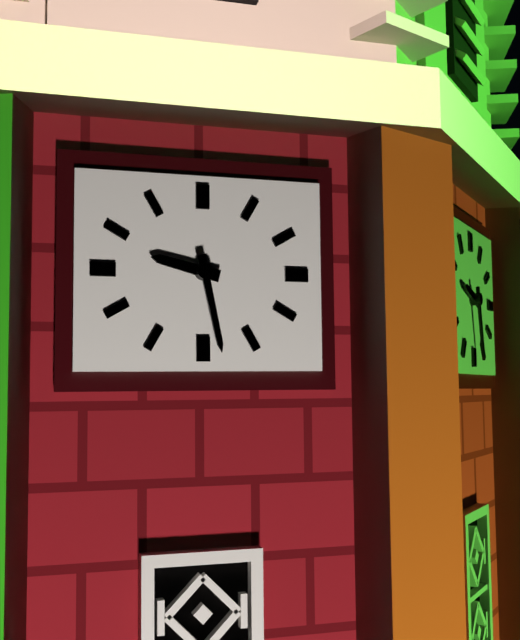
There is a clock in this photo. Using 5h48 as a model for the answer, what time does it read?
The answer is 9h28
